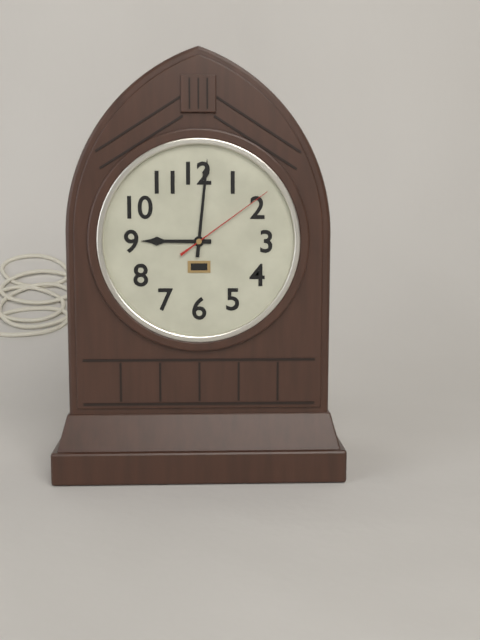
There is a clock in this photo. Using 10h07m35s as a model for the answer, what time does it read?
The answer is 9h01m09s
